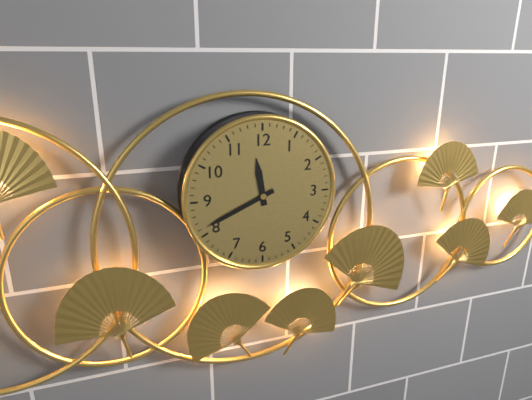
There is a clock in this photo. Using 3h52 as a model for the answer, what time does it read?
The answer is 11h41
